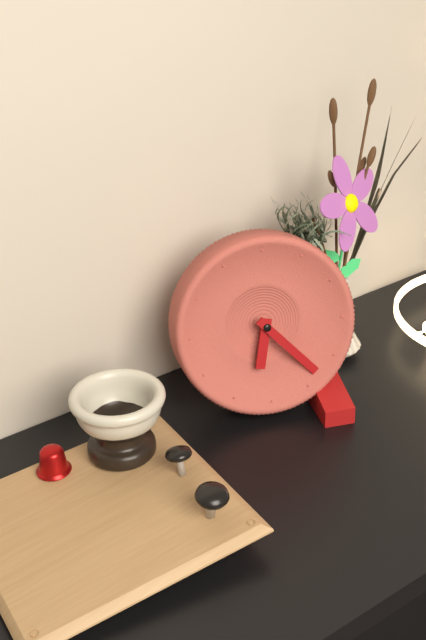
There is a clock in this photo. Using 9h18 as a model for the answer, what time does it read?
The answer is 6h23
